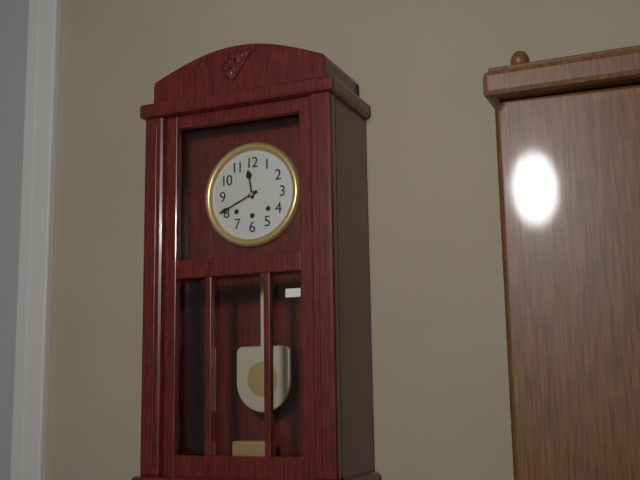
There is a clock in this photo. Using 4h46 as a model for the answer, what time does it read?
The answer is 11h41
